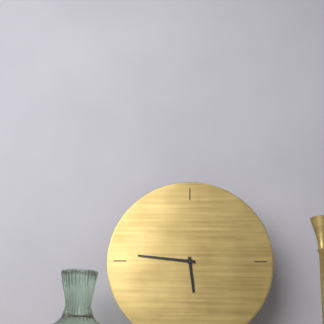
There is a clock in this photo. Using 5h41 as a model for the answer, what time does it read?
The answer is 5h46
